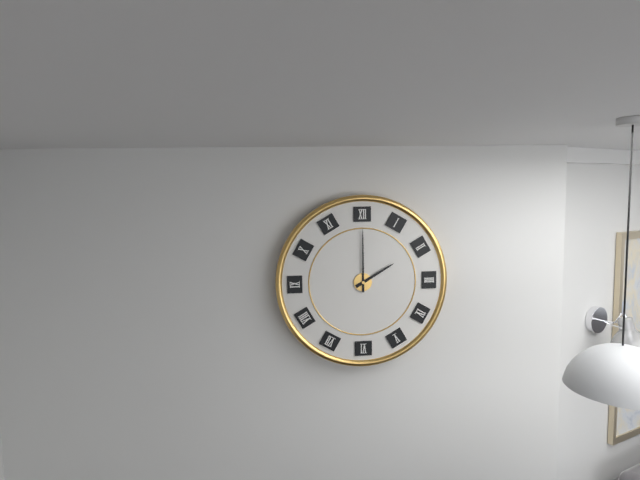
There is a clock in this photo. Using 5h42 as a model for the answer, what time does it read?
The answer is 2h00
